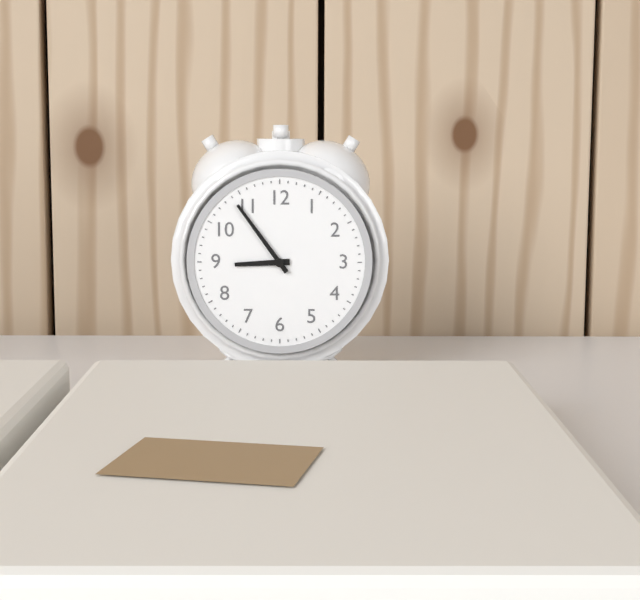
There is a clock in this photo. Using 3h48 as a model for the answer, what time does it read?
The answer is 8h54
